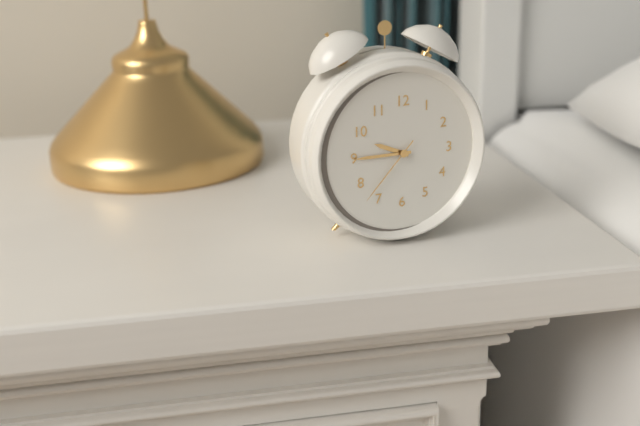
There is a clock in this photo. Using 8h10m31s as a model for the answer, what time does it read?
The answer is 9h45m37s
